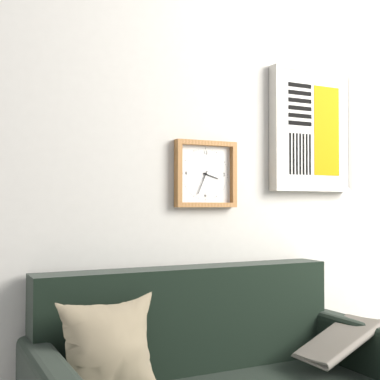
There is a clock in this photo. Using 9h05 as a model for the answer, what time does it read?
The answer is 3h34
